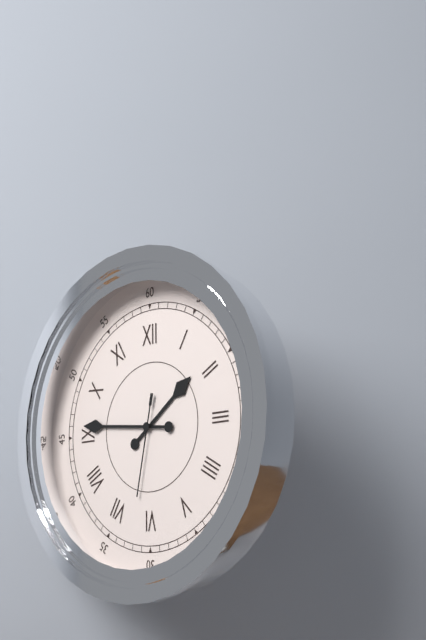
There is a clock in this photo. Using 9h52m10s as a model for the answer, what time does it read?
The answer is 1h46m32s
